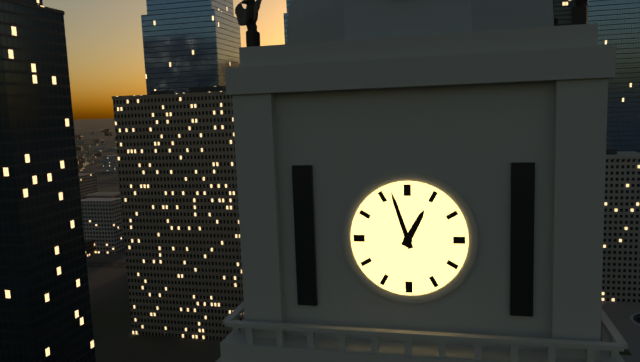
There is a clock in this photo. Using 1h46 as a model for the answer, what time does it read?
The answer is 12h57
